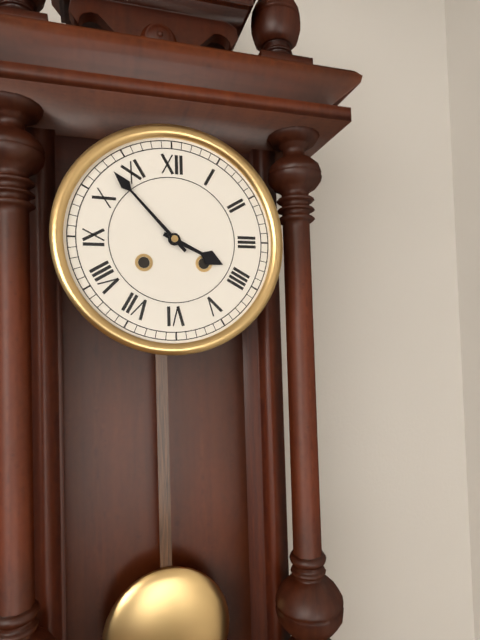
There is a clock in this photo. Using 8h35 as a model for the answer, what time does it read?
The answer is 3h53
